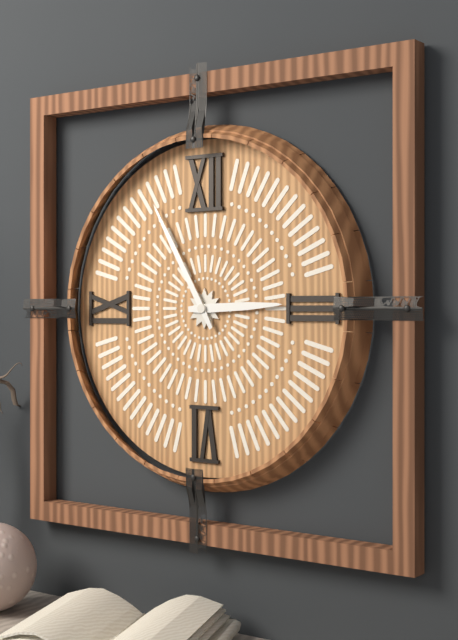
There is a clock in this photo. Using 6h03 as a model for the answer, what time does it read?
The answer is 2h55
